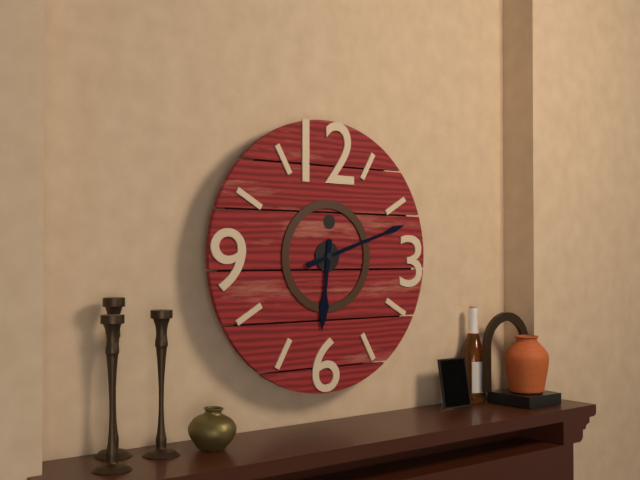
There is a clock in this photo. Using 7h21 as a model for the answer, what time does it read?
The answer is 6h12
